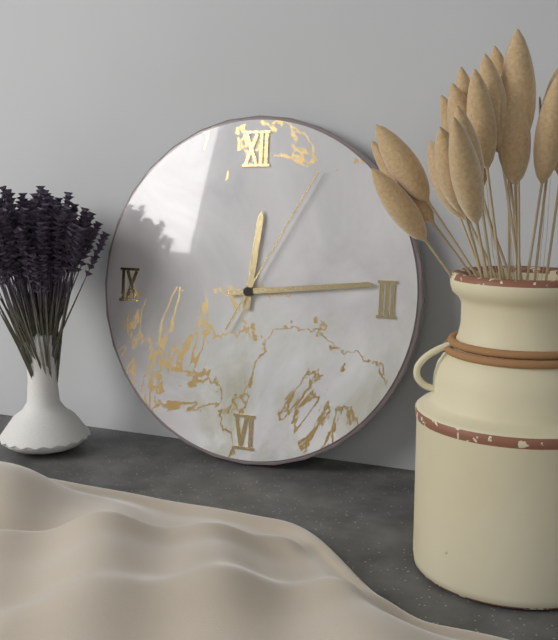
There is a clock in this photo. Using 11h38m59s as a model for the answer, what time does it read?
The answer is 12h14m05s
